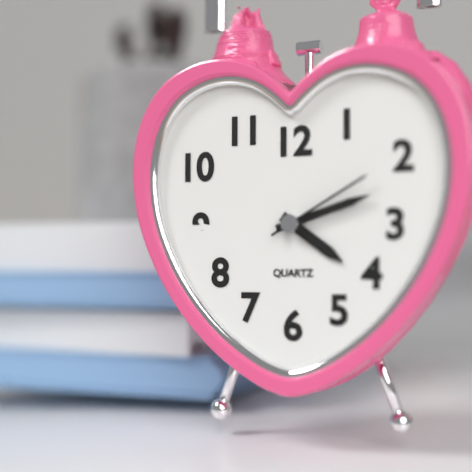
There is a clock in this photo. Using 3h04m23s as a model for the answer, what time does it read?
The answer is 4h12m10s
